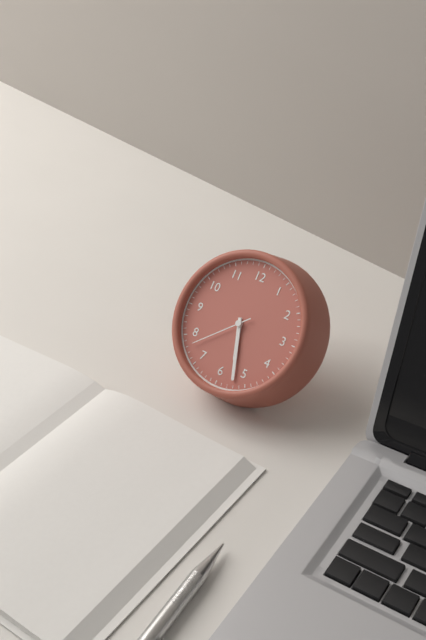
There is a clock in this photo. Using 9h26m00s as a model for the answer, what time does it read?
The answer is 5h27m38s
